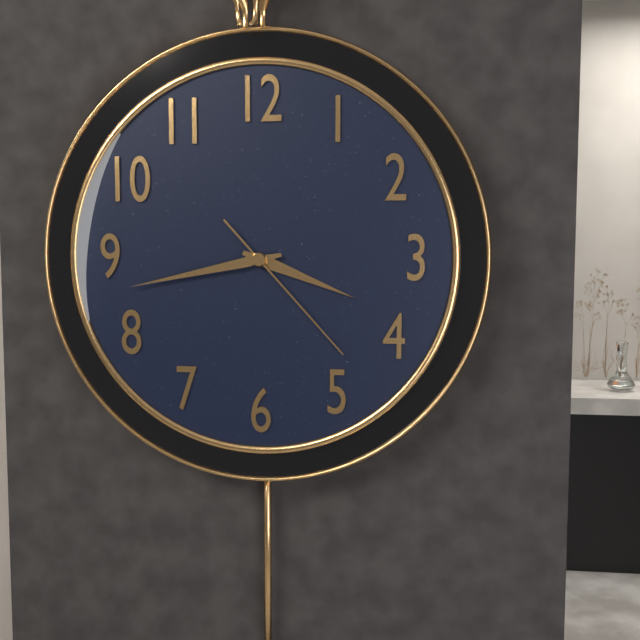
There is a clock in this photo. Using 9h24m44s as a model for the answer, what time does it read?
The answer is 3h43m23s
